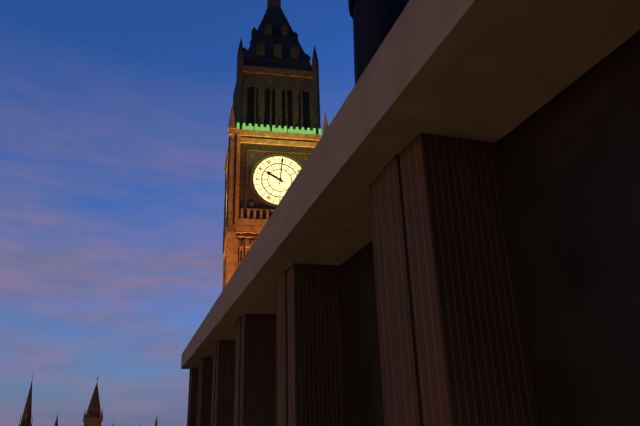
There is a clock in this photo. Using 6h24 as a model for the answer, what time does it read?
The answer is 10h01
